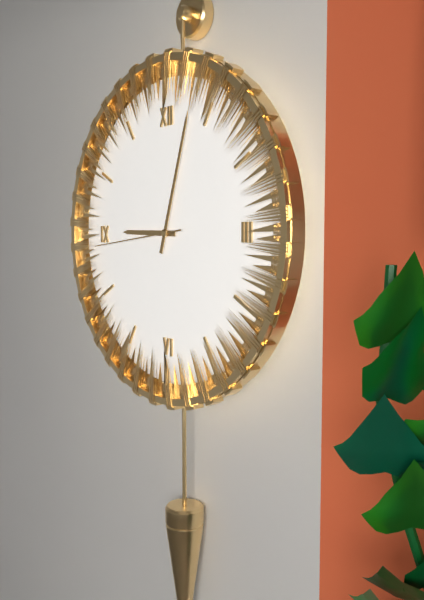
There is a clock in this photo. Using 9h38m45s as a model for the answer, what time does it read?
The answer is 9h03m44s
